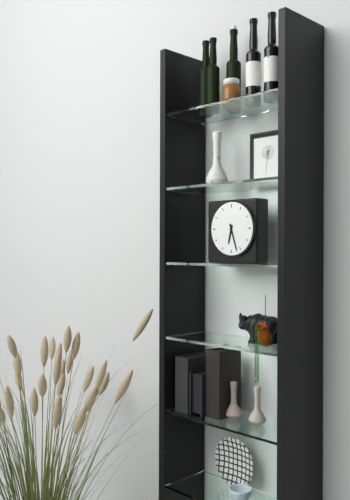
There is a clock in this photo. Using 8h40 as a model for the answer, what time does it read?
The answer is 6h27
